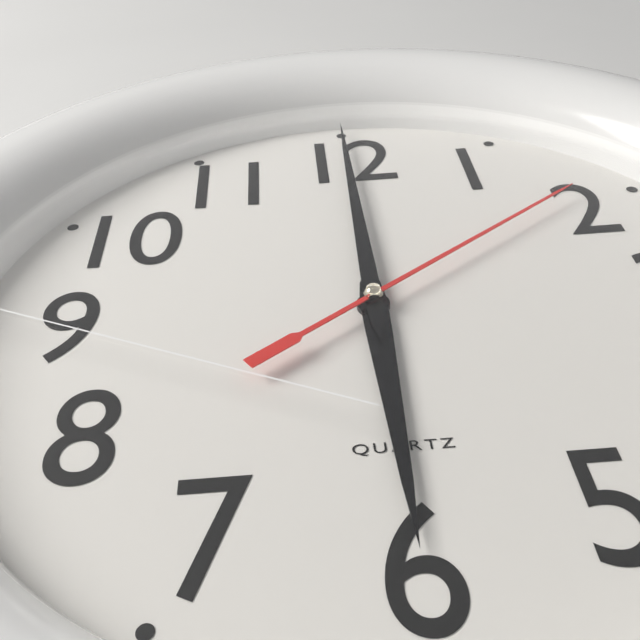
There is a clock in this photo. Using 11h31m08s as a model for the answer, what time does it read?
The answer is 6h00m09s
